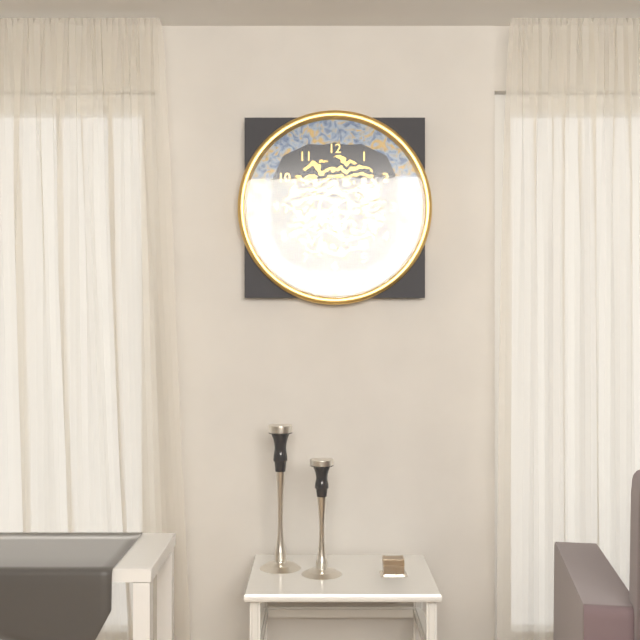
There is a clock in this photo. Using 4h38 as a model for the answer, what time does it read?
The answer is 5h39
